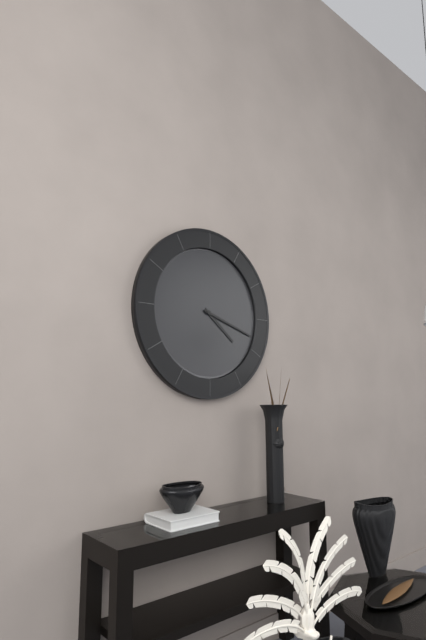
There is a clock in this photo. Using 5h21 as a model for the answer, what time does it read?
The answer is 4h18
